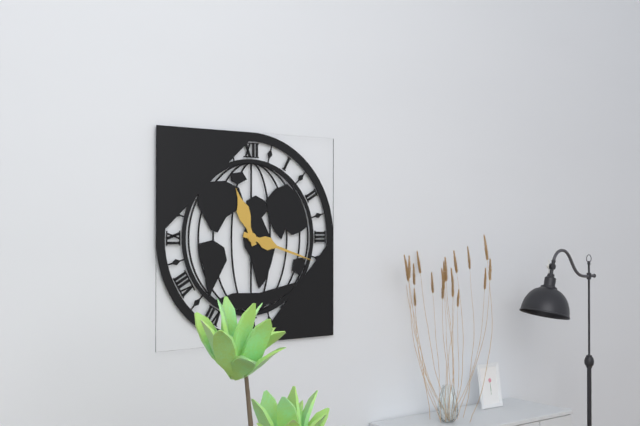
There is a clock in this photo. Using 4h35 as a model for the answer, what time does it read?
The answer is 11h18
